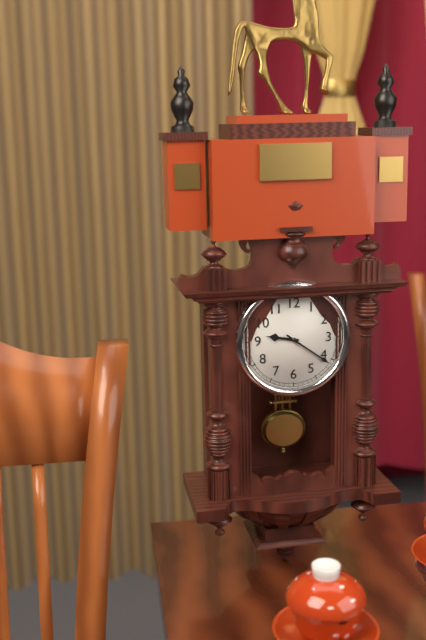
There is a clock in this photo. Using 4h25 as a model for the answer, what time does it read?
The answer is 9h21
